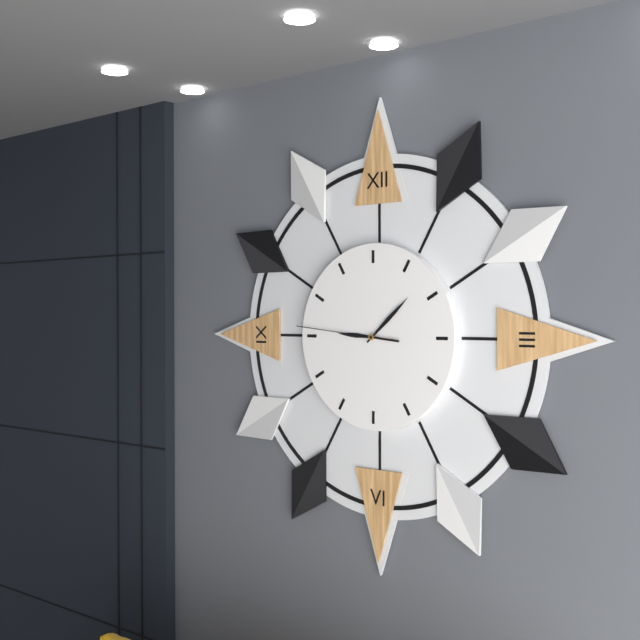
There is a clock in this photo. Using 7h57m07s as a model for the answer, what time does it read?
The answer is 9h08m46s
